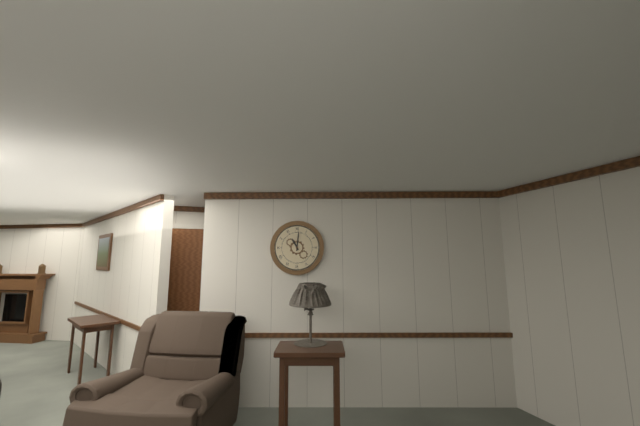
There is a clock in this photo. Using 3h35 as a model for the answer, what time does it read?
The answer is 11h01
